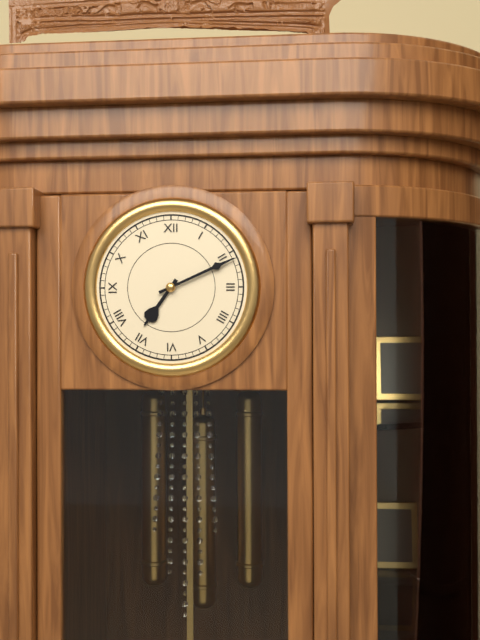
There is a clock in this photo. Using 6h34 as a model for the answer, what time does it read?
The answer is 7h11
